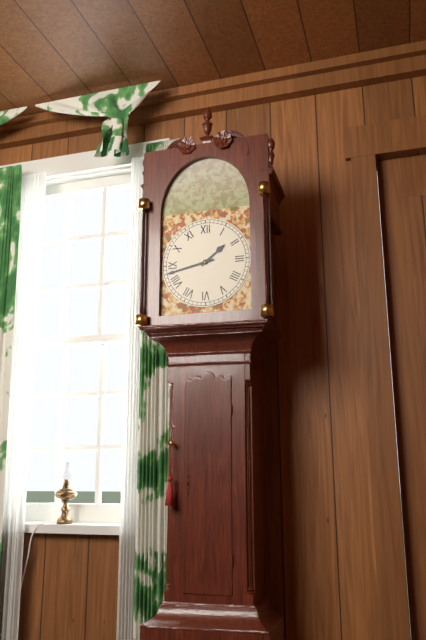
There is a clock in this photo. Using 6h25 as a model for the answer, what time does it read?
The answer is 1h43
